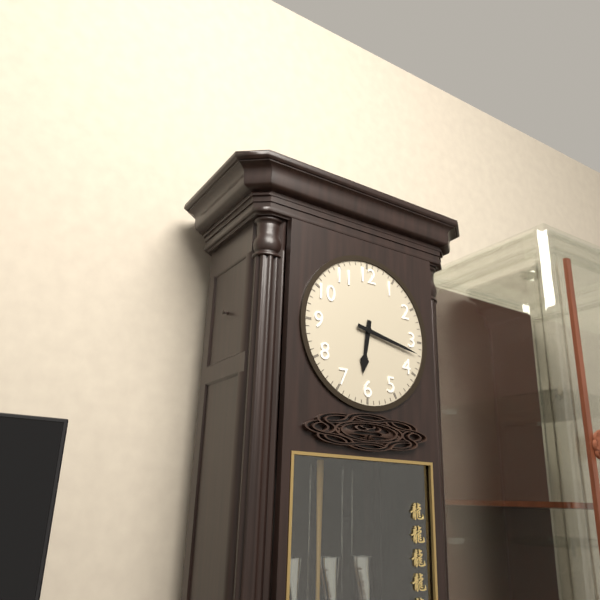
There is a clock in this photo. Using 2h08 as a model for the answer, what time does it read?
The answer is 6h17
